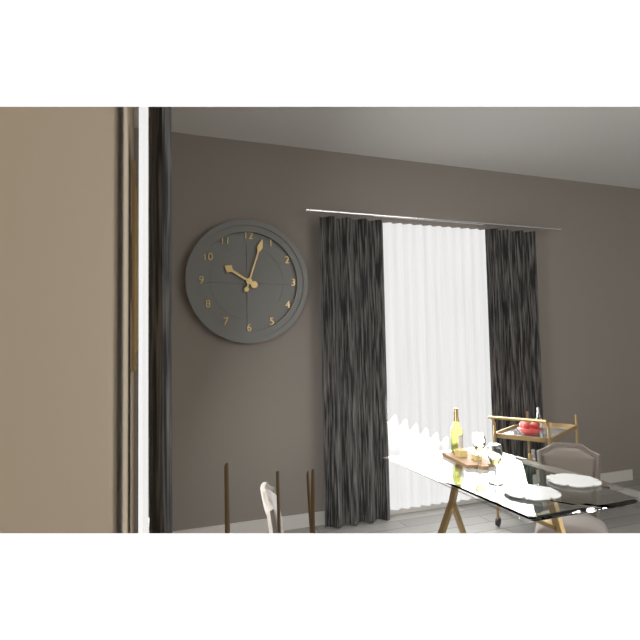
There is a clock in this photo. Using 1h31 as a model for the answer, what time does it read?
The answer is 10h03
